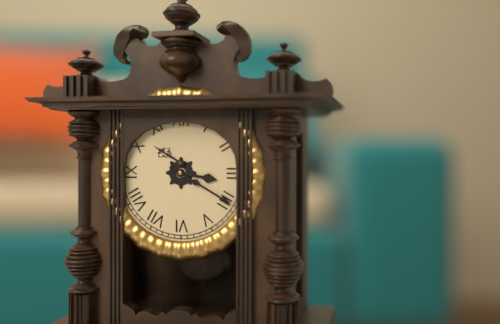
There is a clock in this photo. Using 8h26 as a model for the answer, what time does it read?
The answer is 3h20
